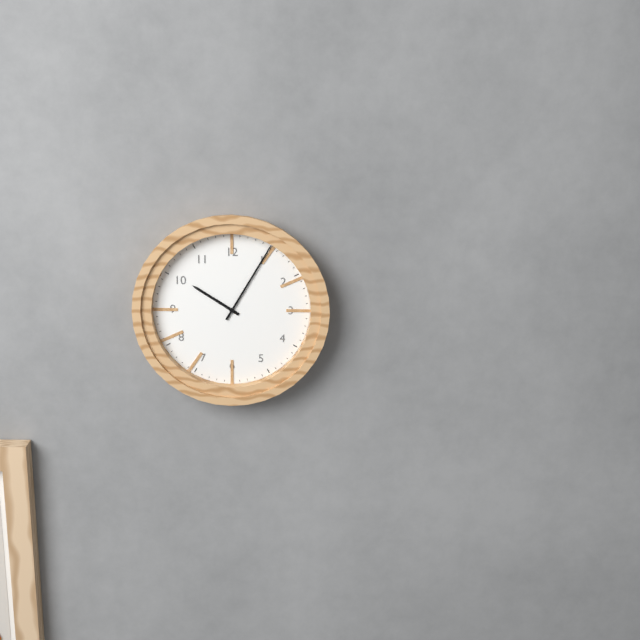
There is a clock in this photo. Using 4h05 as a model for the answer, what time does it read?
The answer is 10h05
